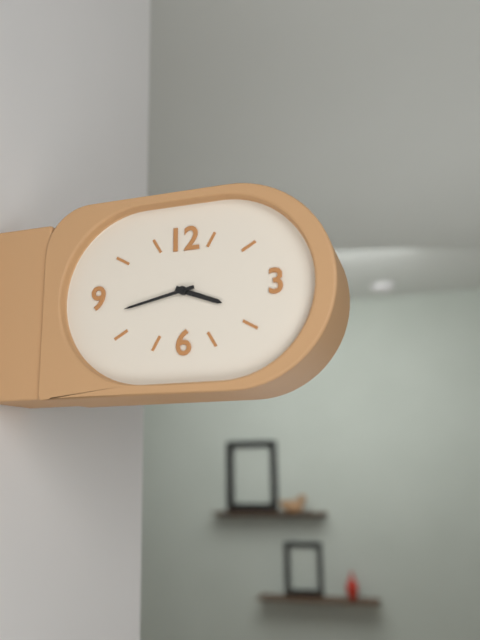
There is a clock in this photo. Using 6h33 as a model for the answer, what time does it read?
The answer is 3h43
